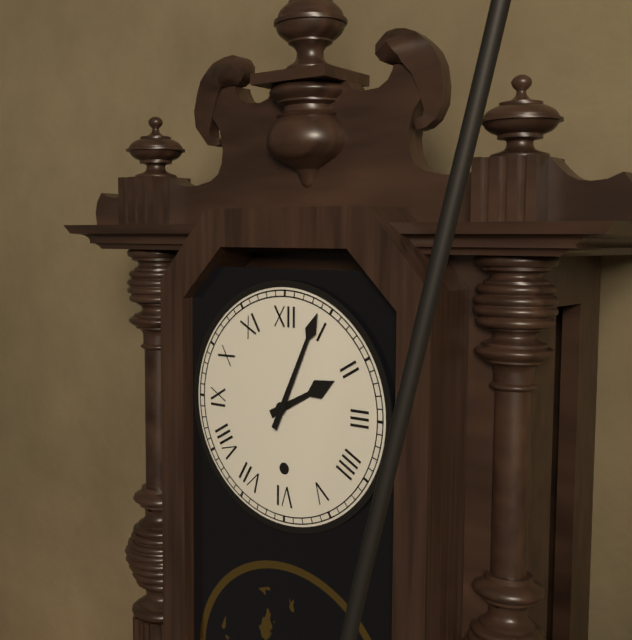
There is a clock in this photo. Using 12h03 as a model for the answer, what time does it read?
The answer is 2h04
